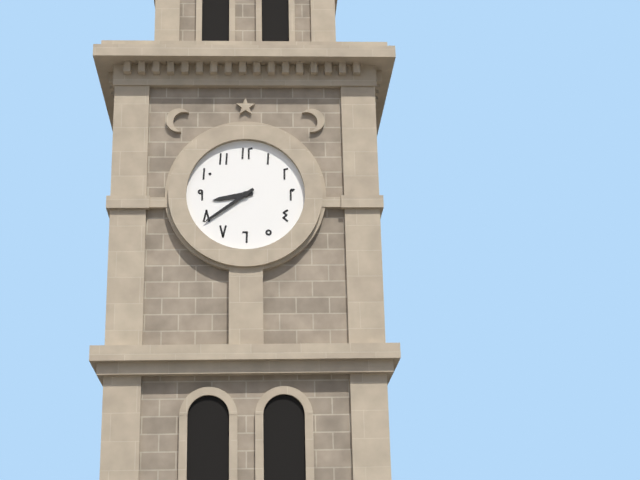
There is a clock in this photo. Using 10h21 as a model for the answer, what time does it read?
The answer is 8h39
